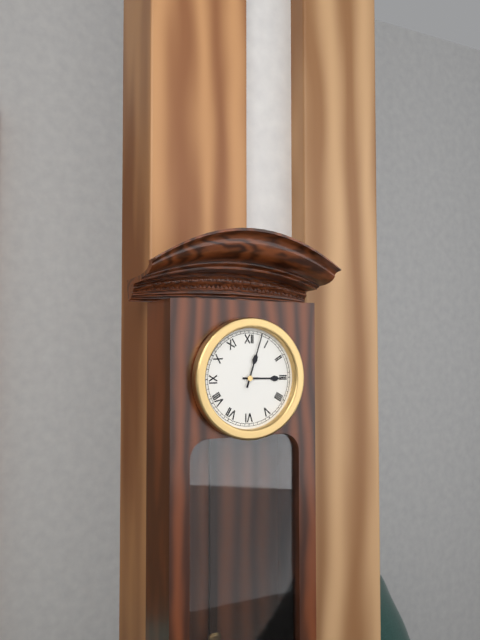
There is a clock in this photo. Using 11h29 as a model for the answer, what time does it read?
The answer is 3h03
